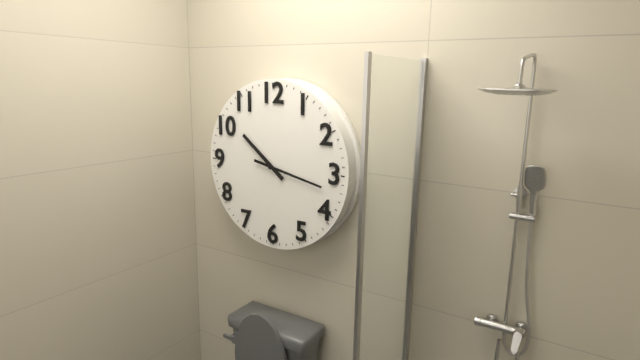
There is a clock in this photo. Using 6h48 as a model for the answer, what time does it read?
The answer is 10h17
